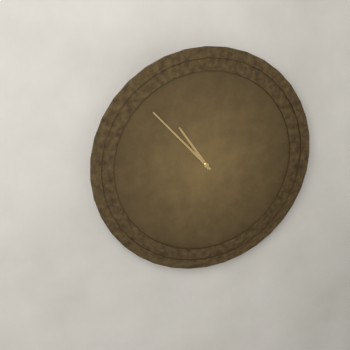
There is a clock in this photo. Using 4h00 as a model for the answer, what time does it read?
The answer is 10h53
